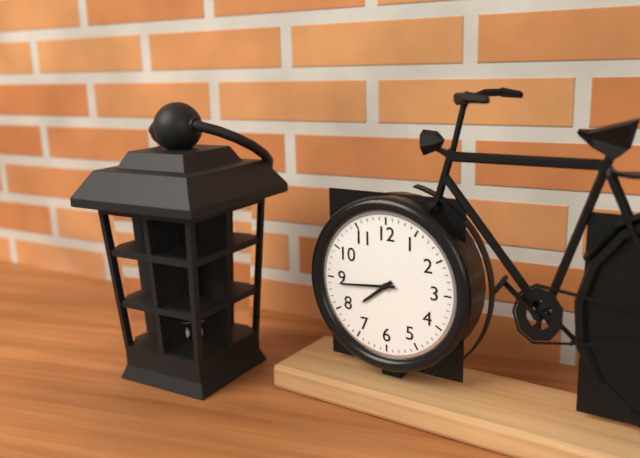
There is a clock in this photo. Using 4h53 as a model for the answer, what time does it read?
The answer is 7h44
